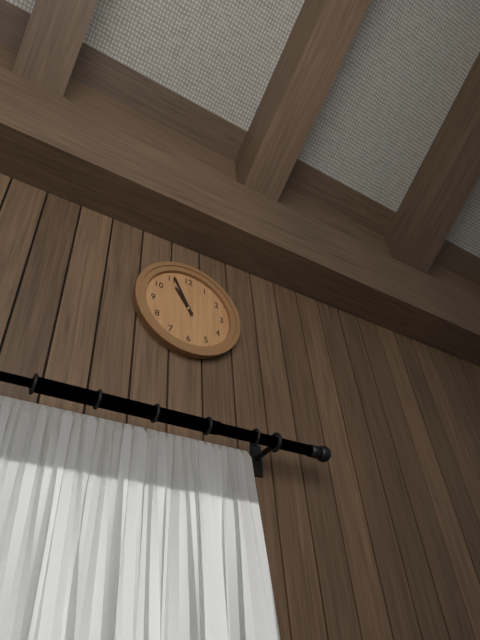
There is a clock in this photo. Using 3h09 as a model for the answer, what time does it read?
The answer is 10h56
